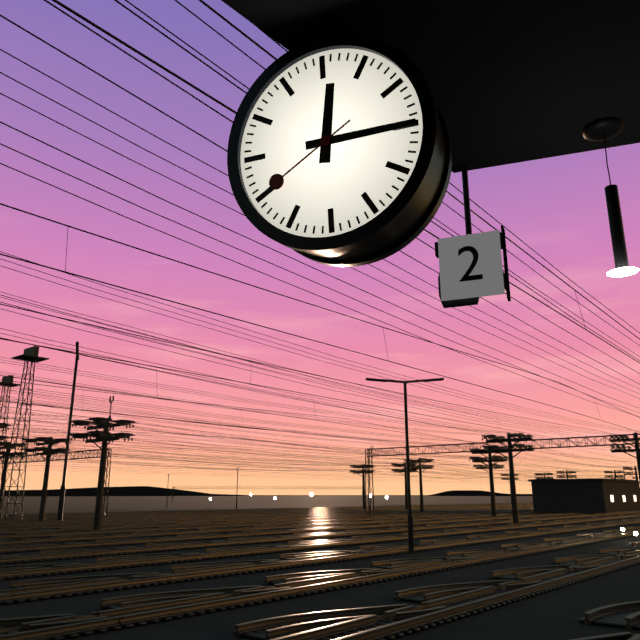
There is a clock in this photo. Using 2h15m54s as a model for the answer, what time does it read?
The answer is 12h15m40s
